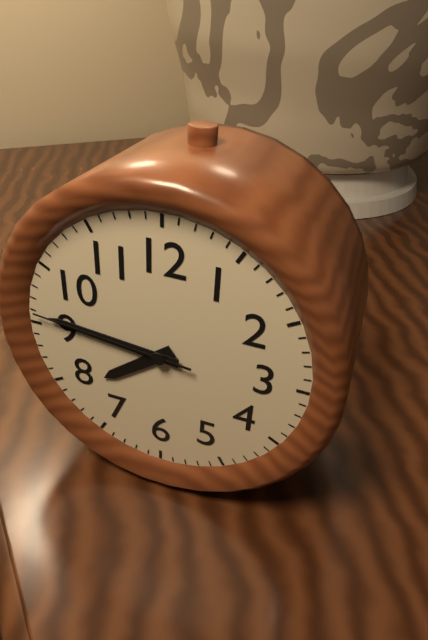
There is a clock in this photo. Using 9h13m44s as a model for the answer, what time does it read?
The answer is 7h46m46s
